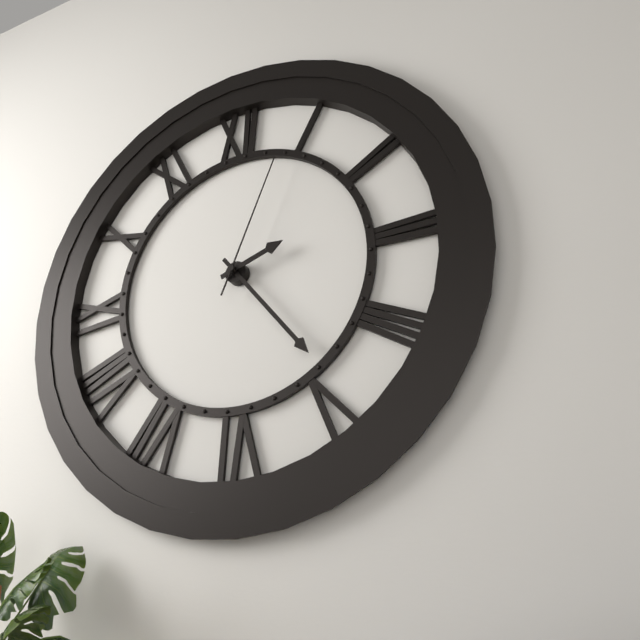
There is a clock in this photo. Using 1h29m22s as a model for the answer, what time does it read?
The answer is 2h24m04s
